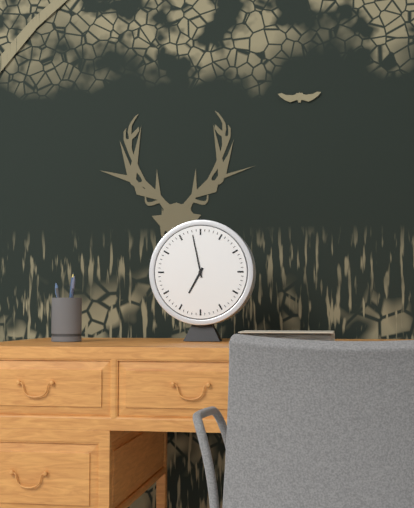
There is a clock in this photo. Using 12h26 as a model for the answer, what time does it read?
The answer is 6h58
